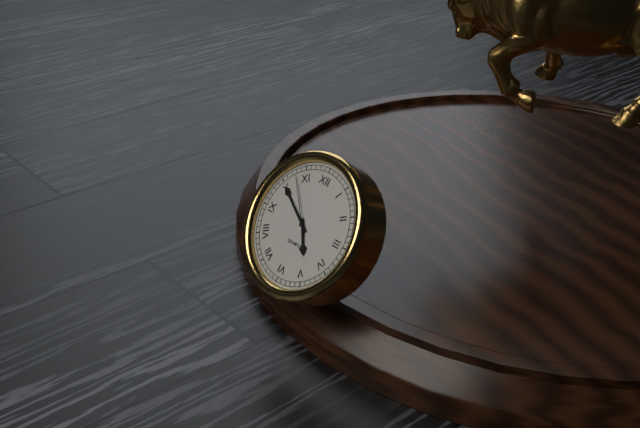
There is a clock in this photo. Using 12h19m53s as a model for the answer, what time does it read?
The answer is 4h50m53s
